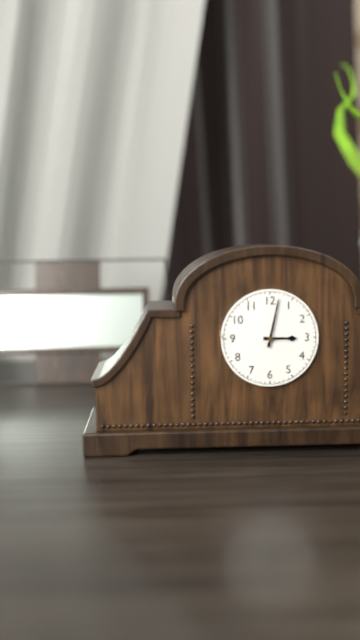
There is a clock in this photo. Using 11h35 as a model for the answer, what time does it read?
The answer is 3h02
